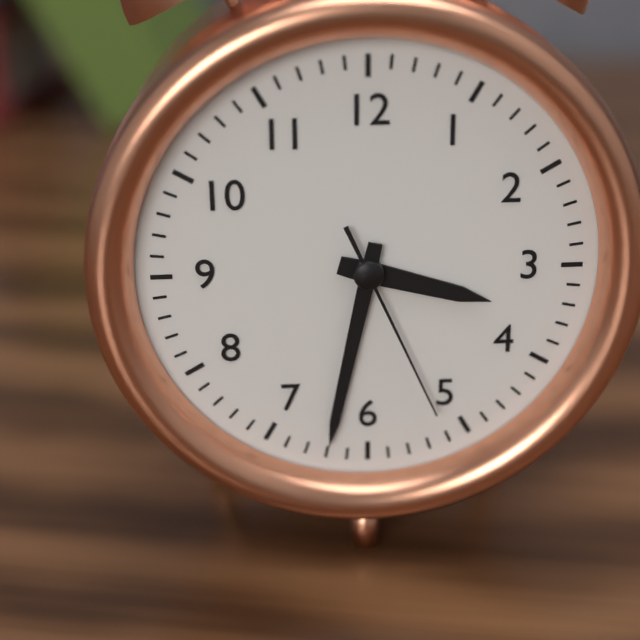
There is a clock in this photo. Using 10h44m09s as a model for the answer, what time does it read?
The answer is 3h32m26s
